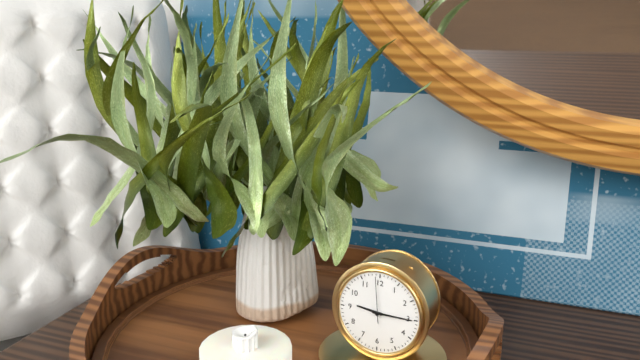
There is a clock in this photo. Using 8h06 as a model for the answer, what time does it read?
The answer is 9h15
